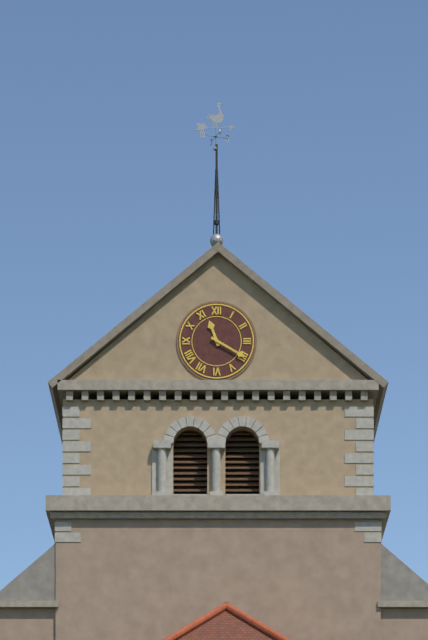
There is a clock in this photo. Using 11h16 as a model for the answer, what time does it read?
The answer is 11h20
